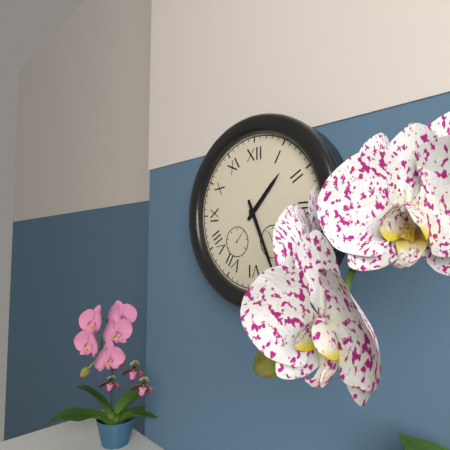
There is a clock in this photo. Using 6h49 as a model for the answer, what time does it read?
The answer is 1h26
